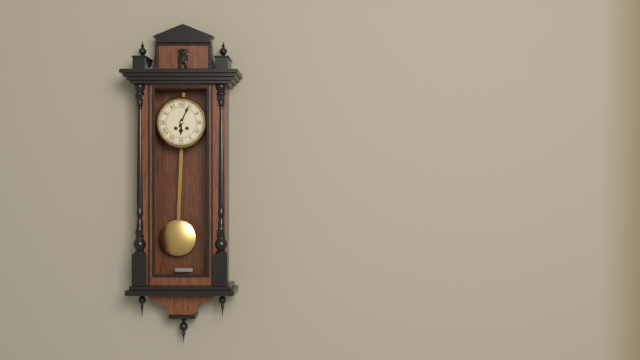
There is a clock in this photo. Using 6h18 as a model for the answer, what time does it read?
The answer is 6h04
